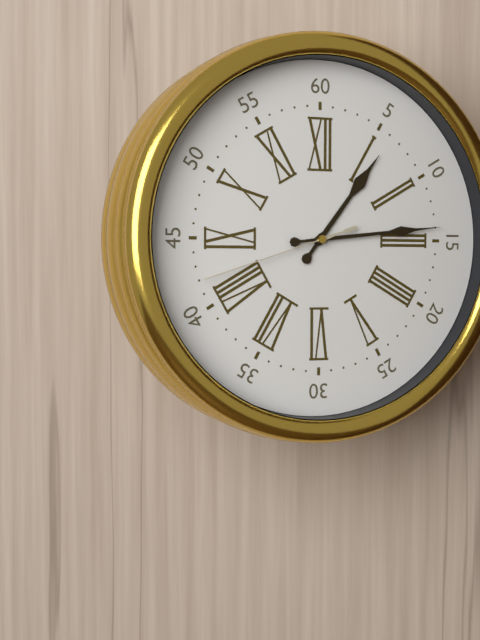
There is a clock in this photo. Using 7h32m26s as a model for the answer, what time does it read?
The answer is 1h14m42s
